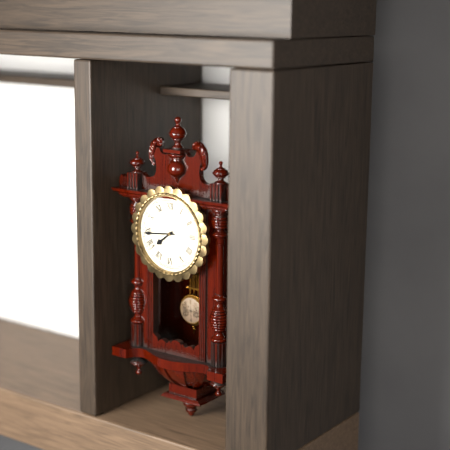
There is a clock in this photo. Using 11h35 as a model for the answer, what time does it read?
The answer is 7h44
